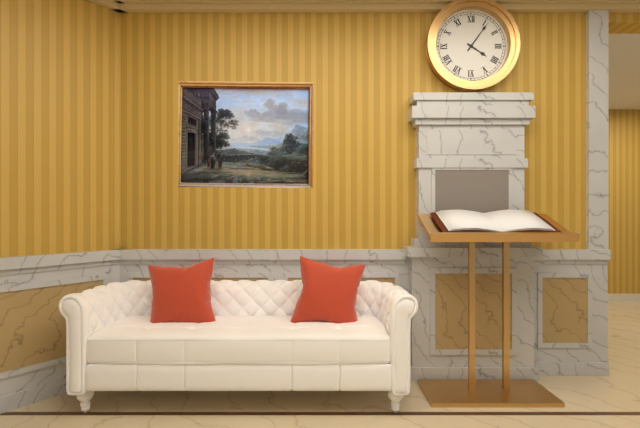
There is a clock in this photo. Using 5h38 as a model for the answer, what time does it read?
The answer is 4h06
